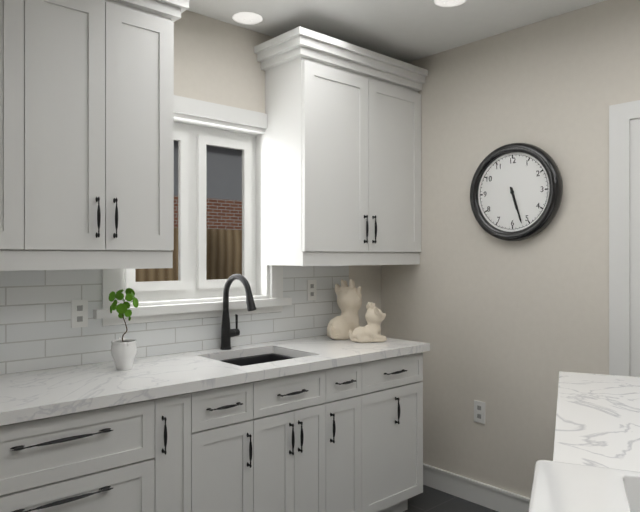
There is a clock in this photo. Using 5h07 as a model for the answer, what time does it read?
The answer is 5h27
